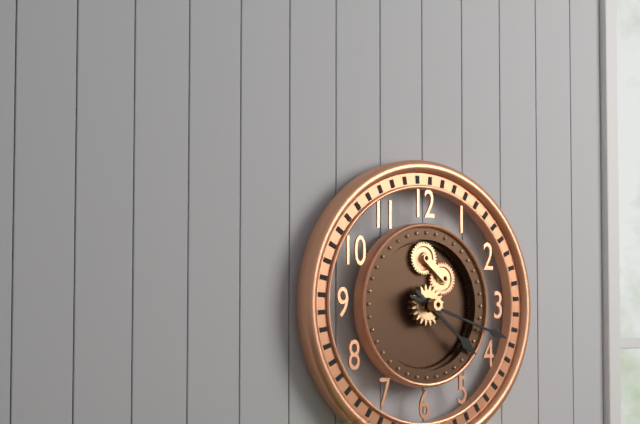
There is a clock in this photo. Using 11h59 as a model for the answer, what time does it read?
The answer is 4h18
